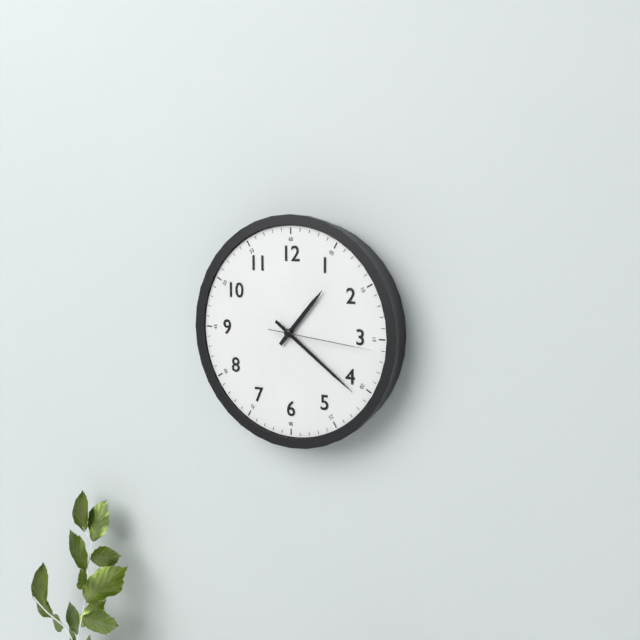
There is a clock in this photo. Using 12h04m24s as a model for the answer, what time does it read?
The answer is 1h21m16s
